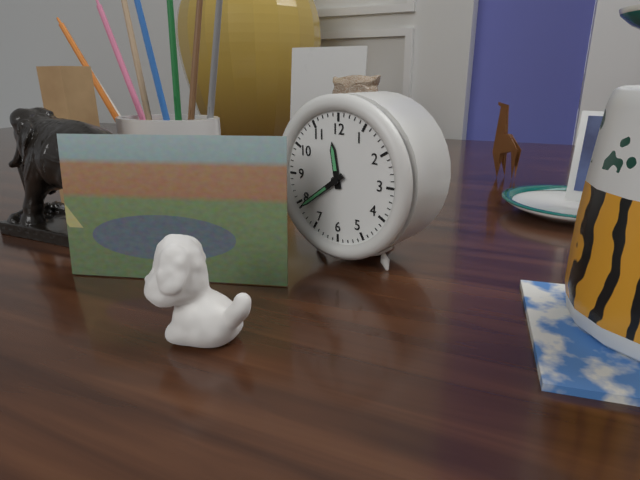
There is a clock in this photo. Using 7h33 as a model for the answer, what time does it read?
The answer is 11h39
